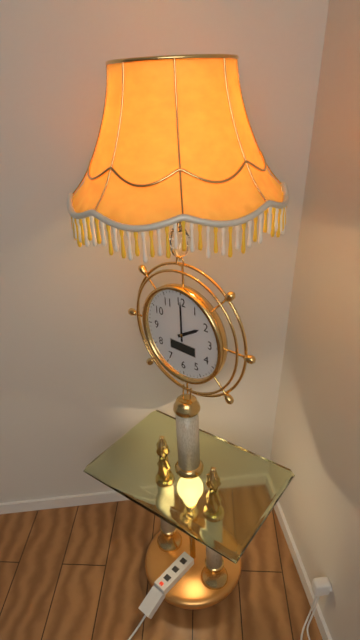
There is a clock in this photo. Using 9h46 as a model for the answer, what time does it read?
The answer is 2h00
